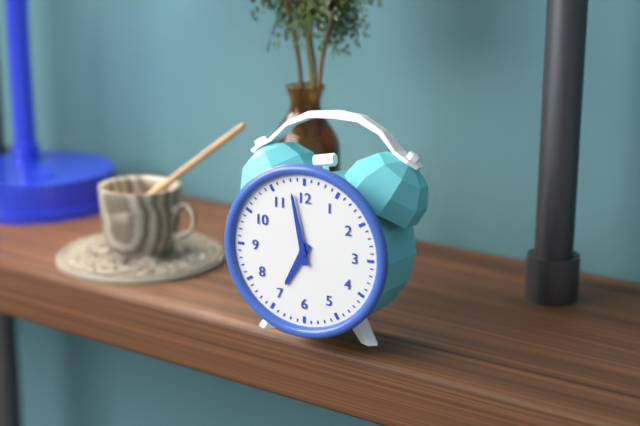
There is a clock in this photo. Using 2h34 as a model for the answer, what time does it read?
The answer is 6h58
